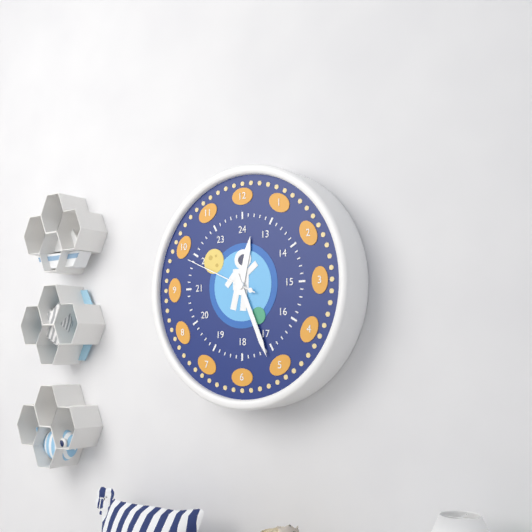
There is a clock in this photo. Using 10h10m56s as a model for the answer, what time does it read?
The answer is 12h26m49s
